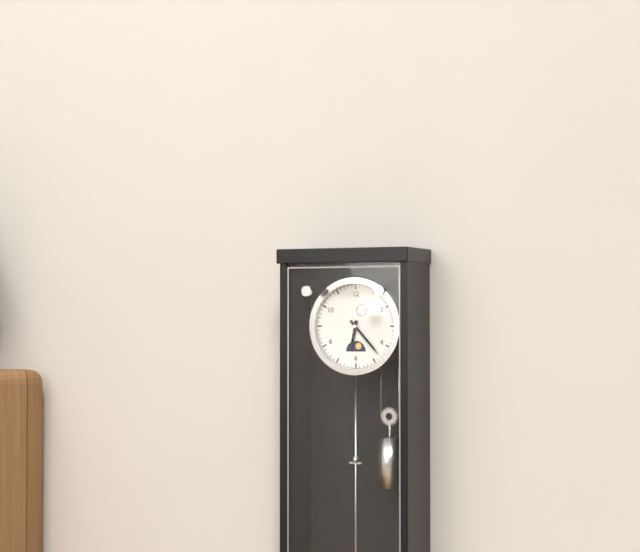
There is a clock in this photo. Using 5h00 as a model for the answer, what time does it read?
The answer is 6h23
